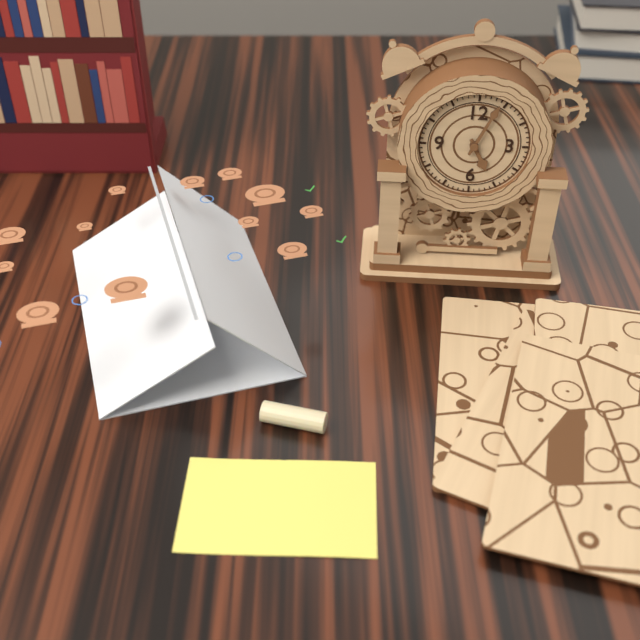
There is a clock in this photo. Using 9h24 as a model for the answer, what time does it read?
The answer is 5h04
